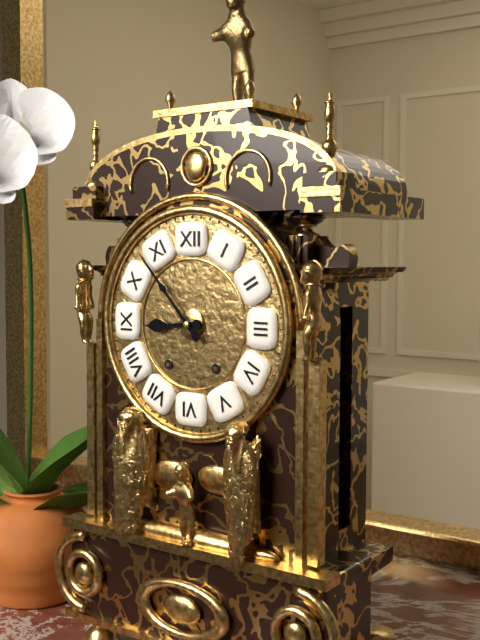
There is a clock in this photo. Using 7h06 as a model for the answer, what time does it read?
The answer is 8h53
